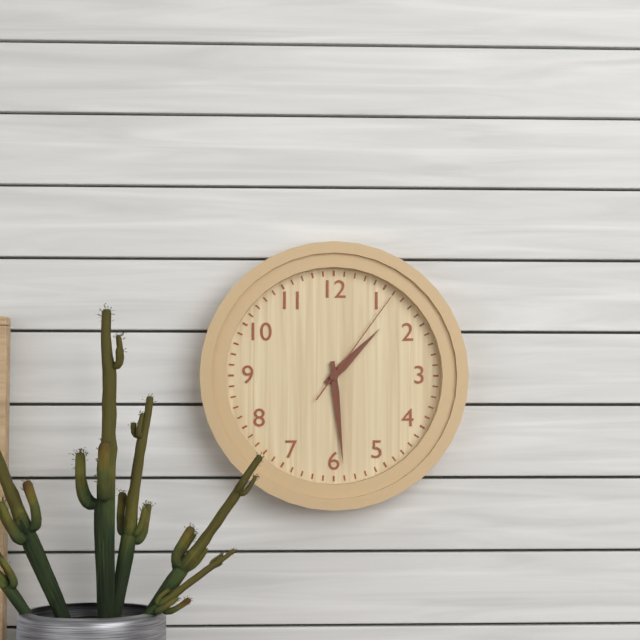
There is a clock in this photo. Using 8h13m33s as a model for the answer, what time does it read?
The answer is 1h29m06s
